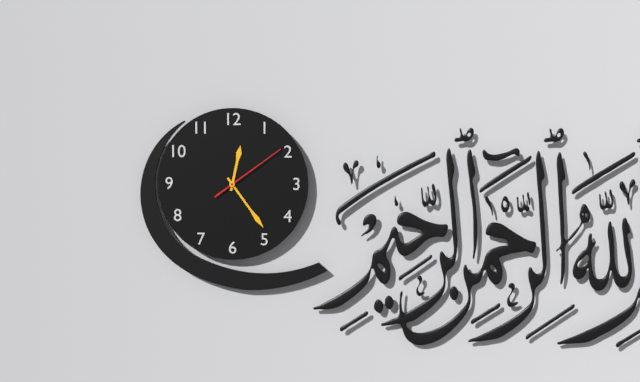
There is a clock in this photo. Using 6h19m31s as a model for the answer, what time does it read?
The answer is 12h24m09s
